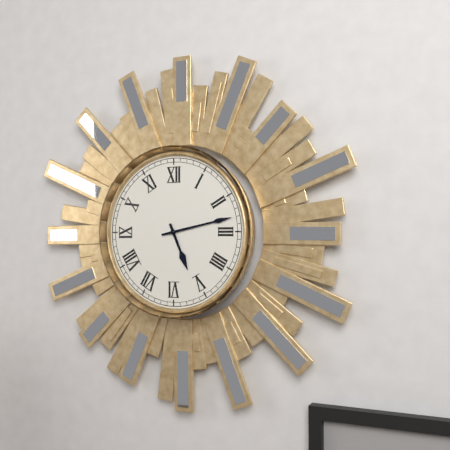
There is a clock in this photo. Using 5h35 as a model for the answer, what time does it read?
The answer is 5h13
